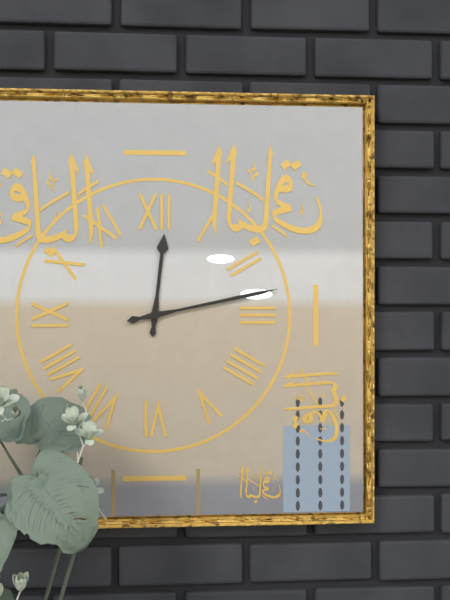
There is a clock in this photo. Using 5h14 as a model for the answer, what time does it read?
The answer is 12h13
